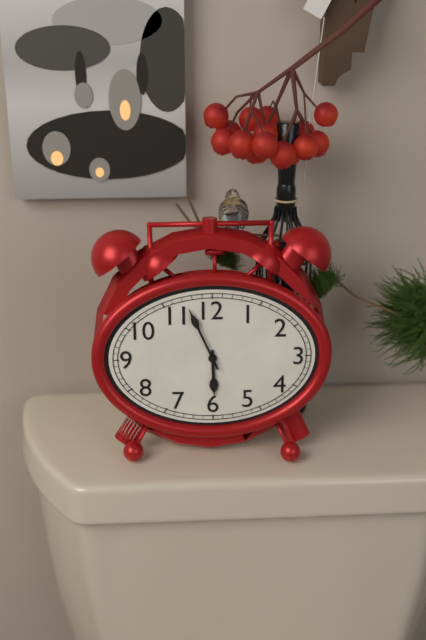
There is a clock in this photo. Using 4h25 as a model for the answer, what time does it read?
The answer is 5h56
